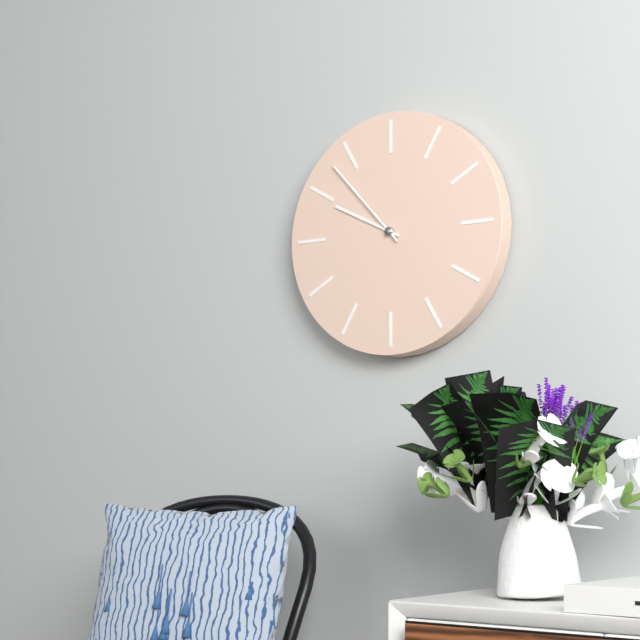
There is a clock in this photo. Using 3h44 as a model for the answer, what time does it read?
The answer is 9h53
